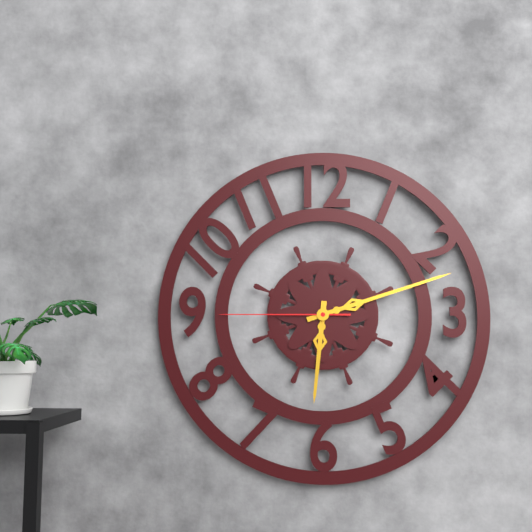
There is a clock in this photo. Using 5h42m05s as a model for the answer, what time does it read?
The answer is 6h12m45s
